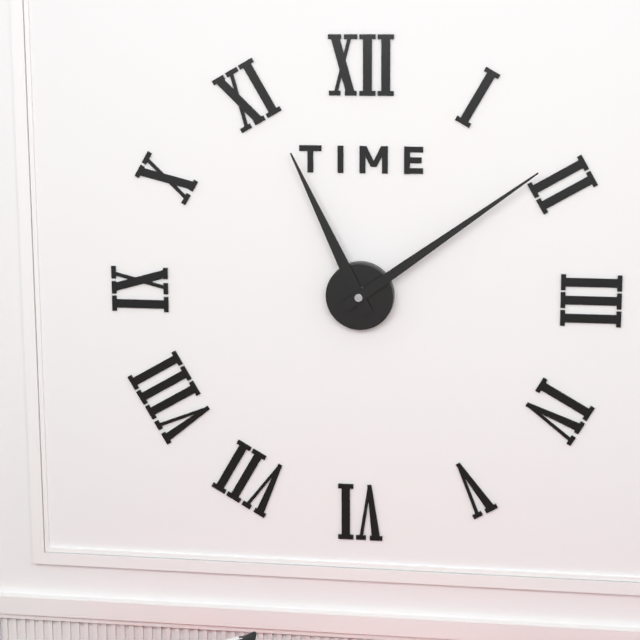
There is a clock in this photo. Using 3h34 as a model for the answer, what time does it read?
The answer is 11h09
